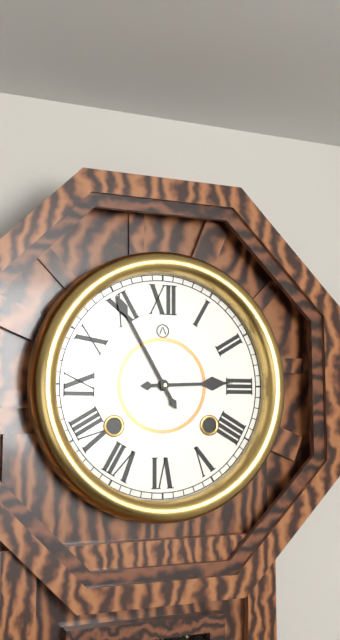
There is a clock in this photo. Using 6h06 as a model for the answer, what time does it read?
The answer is 2h55
